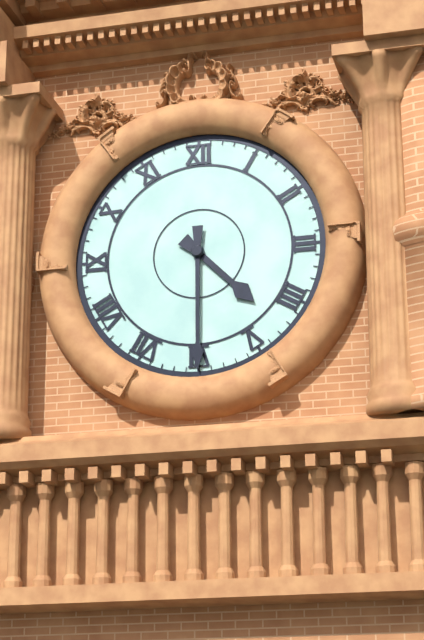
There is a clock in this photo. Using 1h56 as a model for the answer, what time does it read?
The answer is 4h30
